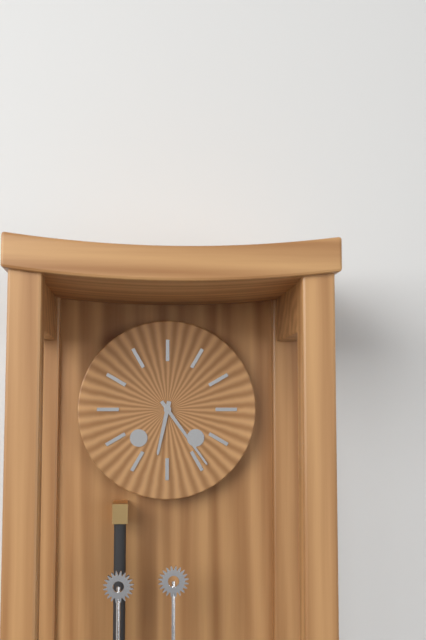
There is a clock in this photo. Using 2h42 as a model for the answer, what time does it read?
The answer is 6h24
